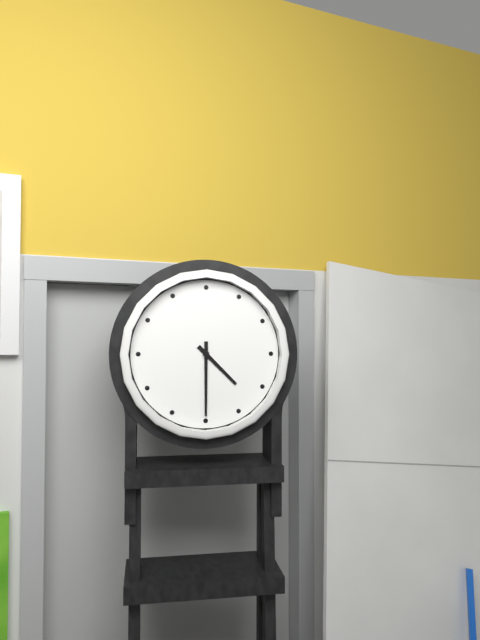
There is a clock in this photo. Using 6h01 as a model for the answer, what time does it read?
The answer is 4h30
